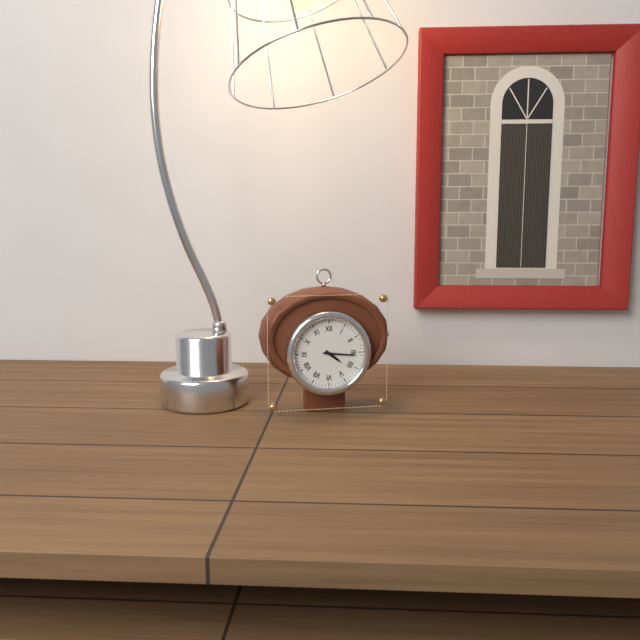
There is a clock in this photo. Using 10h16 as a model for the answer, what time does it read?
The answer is 4h16
